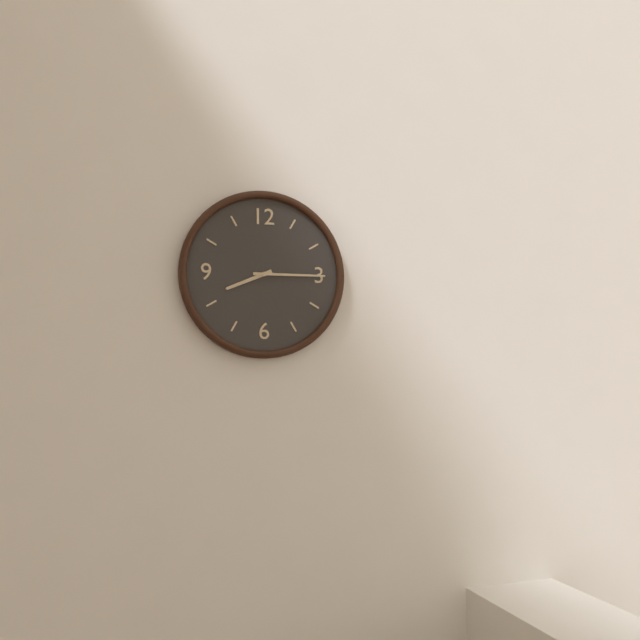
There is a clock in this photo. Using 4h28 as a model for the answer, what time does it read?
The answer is 8h15
